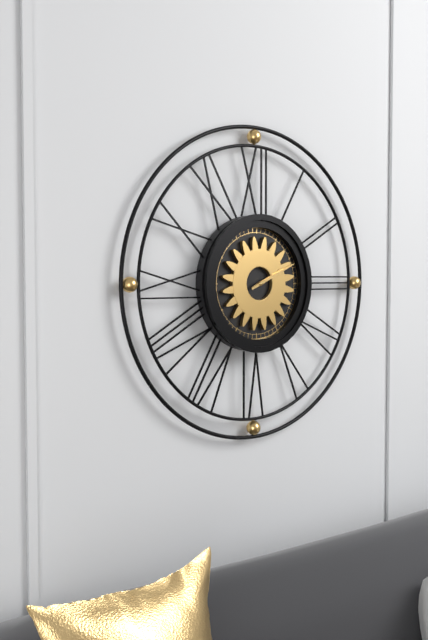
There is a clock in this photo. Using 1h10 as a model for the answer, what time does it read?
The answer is 2h11
